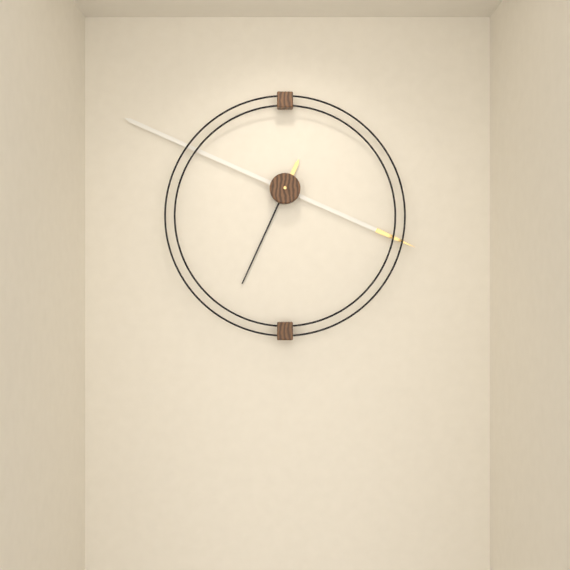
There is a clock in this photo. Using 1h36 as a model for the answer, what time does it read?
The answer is 6h49
